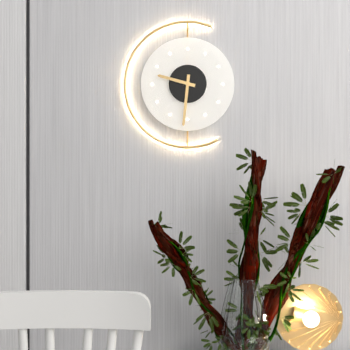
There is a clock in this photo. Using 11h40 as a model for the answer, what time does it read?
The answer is 9h31
